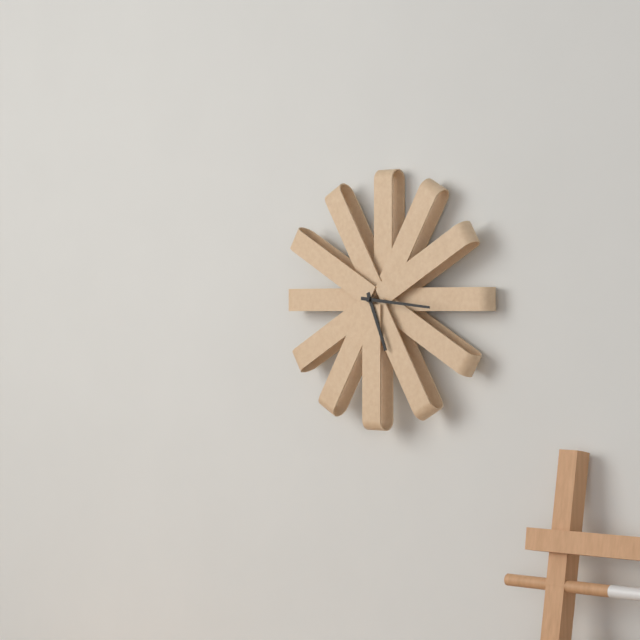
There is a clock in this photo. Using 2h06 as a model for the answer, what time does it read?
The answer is 5h16
